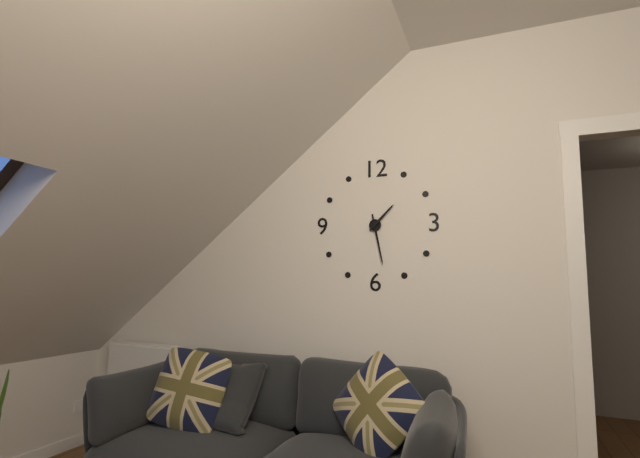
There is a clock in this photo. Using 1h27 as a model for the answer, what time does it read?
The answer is 1h28
